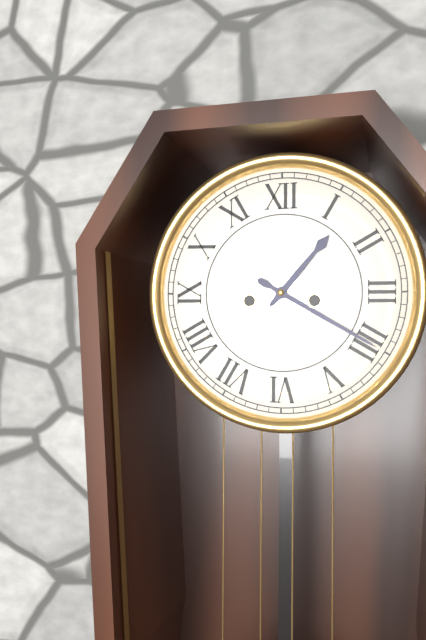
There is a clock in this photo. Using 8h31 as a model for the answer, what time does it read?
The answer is 1h20
